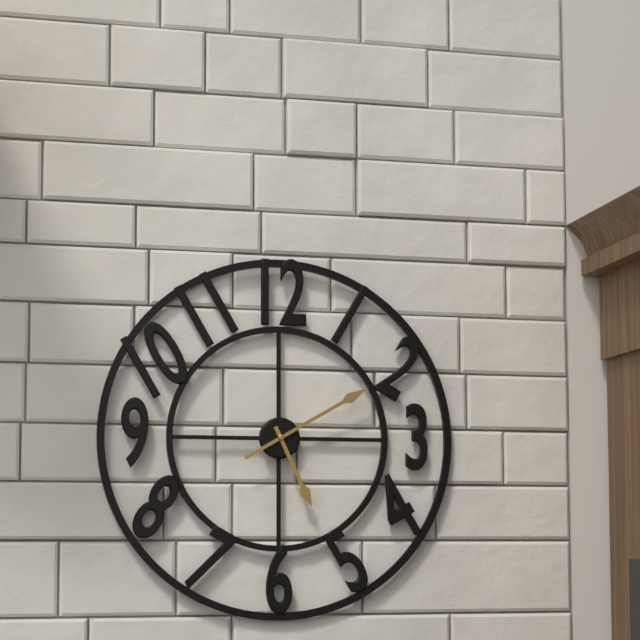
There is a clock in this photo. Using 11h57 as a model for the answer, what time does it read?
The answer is 5h10
